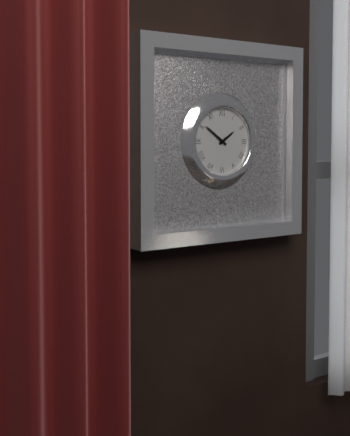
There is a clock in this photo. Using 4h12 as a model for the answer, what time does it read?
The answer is 1h51
